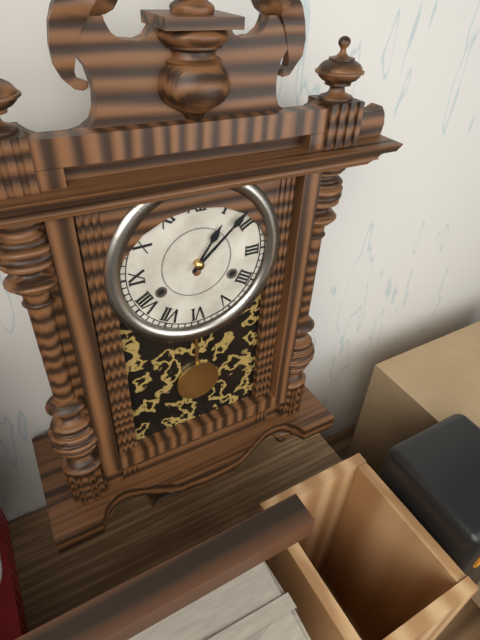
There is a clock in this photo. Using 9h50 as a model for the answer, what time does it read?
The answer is 1h08
